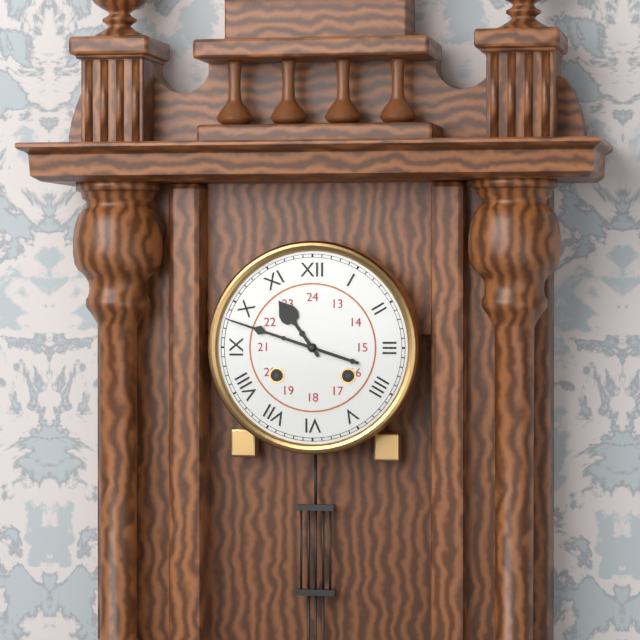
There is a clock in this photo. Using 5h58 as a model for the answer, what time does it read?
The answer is 10h48
